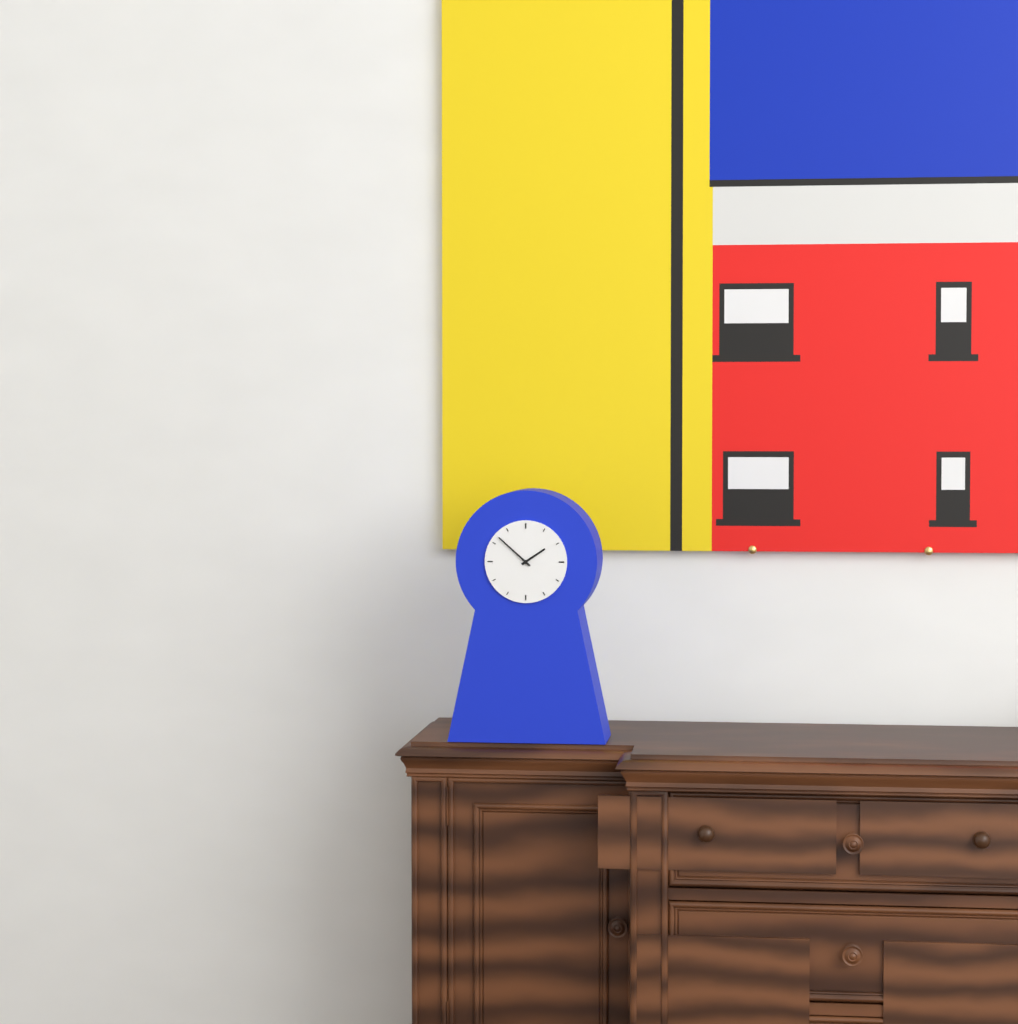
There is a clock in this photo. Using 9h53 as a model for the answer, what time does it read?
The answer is 1h52
